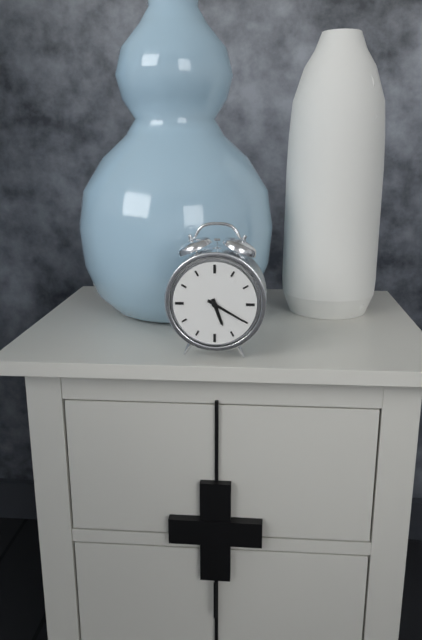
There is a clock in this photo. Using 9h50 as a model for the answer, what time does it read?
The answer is 5h20
